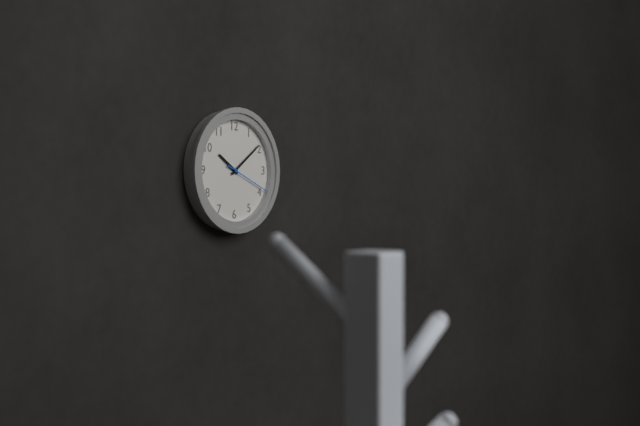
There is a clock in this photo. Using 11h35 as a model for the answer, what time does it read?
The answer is 10h09
